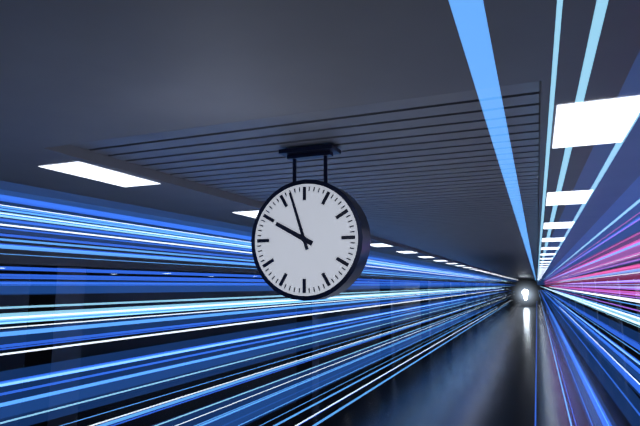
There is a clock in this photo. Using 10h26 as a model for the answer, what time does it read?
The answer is 9h57
